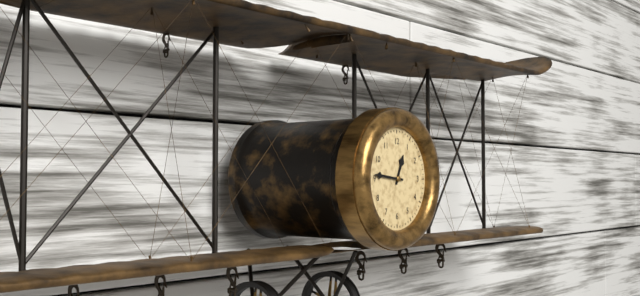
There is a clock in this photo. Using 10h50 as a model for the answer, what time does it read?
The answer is 12h46
